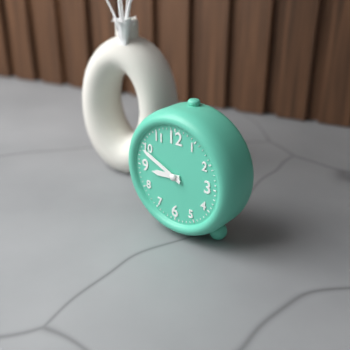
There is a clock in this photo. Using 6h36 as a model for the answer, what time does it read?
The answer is 8h49
